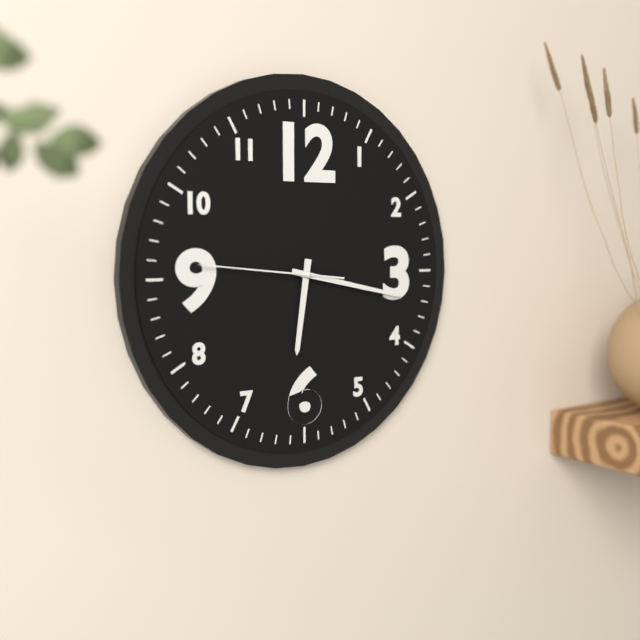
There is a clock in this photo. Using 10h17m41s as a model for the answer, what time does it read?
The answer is 6h17m46s
